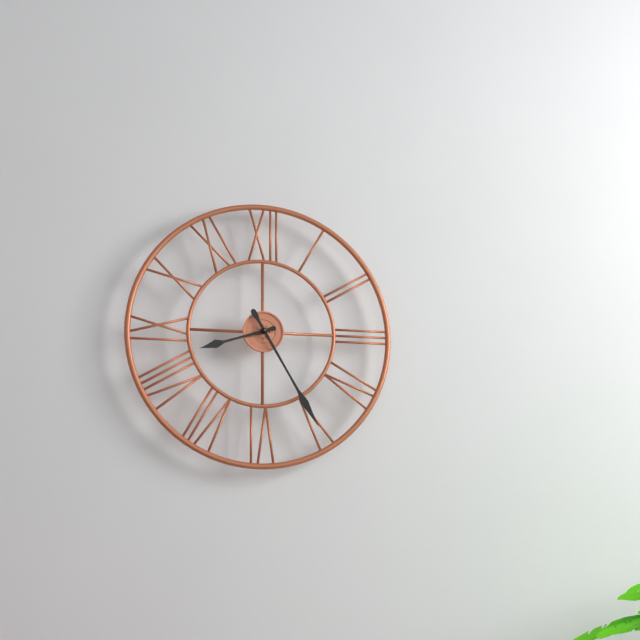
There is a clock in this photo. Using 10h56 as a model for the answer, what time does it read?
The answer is 8h25
